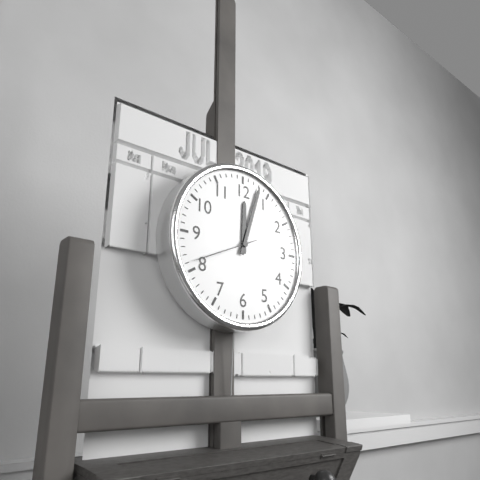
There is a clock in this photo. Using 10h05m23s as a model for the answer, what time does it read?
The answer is 12h03m41s
